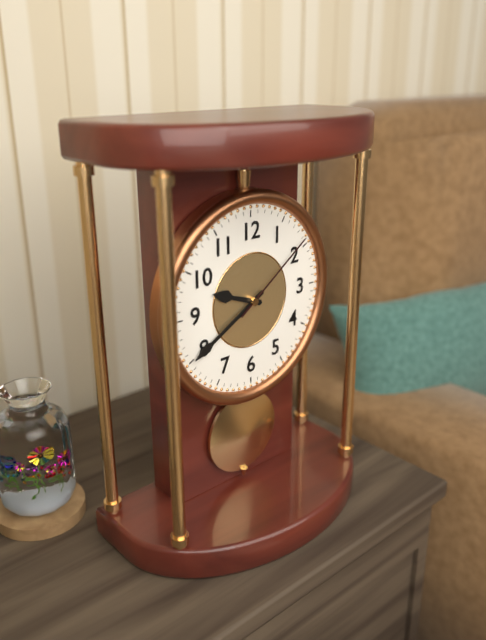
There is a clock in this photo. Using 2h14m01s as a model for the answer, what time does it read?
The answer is 9h40m09s
